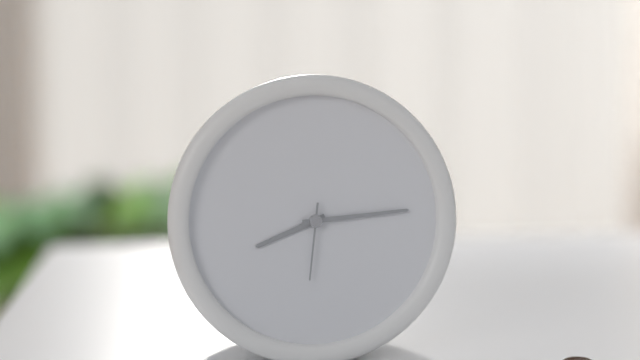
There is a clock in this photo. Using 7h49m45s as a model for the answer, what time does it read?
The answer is 8h14m31s
